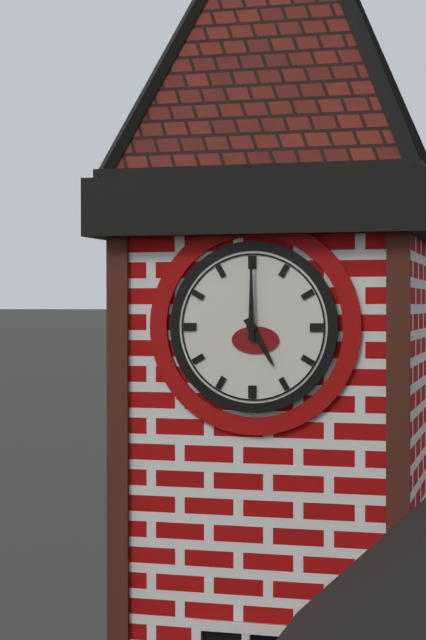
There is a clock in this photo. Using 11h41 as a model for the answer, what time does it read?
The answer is 5h00
